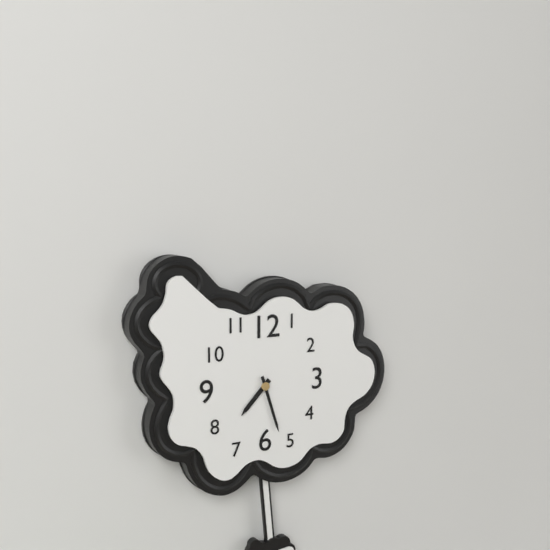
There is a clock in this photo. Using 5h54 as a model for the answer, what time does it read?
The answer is 7h27
